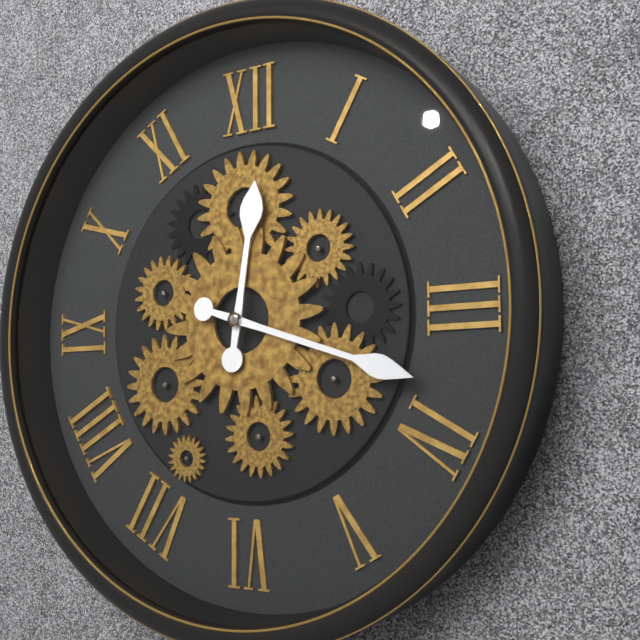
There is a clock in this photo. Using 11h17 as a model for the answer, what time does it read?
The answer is 12h18
